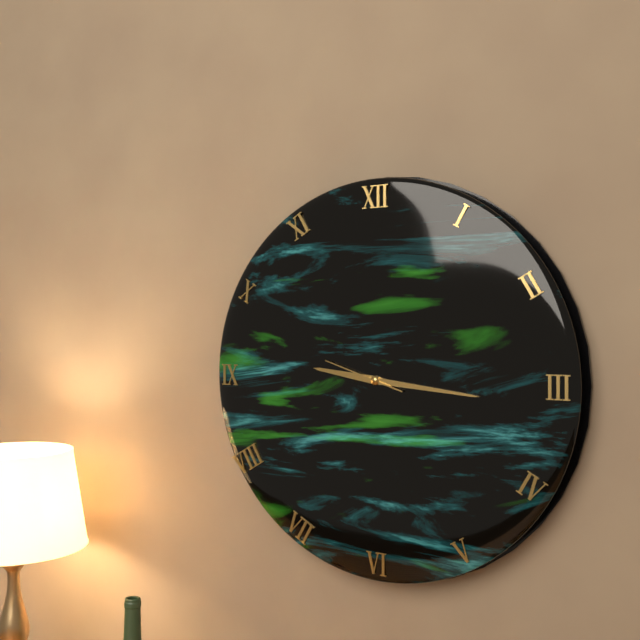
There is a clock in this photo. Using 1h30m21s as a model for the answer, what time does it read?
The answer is 9h16m48s
